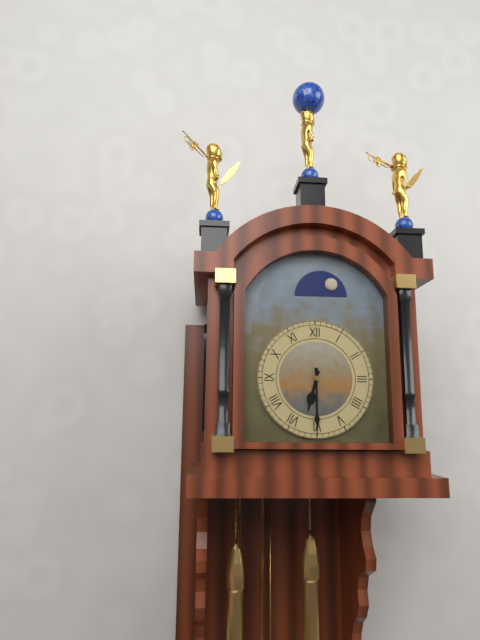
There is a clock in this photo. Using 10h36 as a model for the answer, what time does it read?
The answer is 6h30
